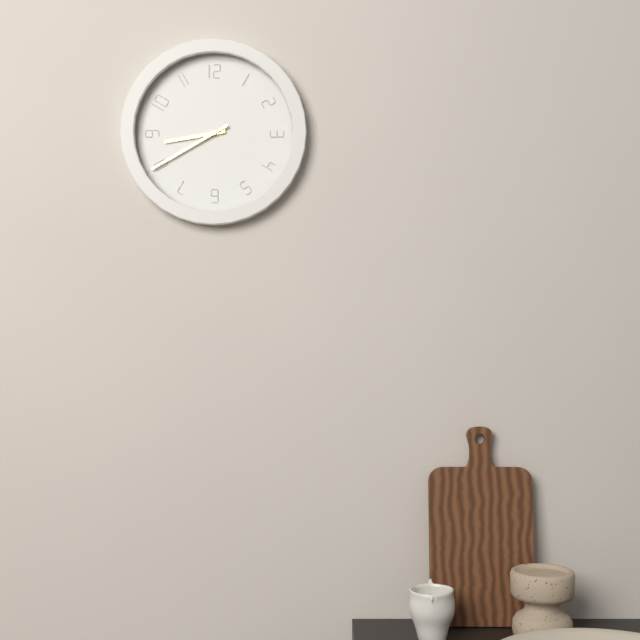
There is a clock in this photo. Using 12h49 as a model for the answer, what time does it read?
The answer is 8h40
